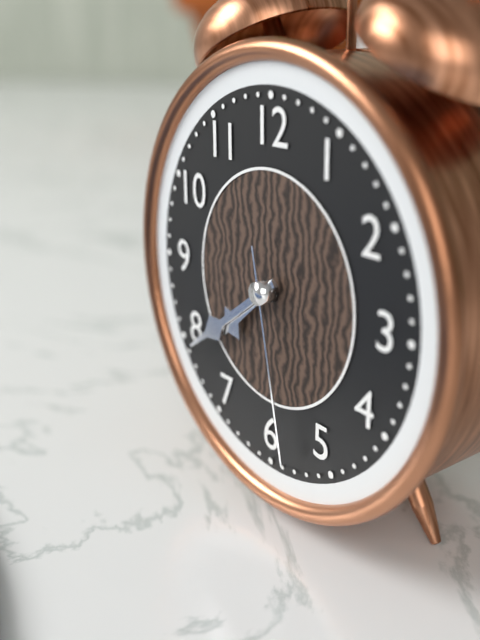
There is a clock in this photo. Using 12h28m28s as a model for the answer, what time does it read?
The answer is 7h39m28s
